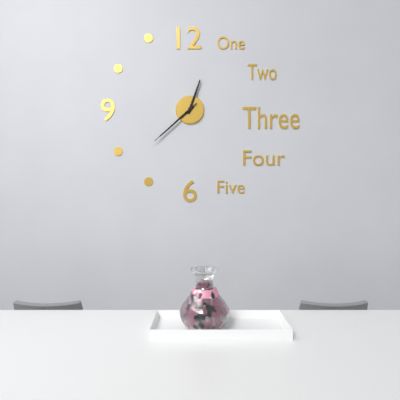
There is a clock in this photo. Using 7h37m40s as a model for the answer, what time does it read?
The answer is 12h38m38s
